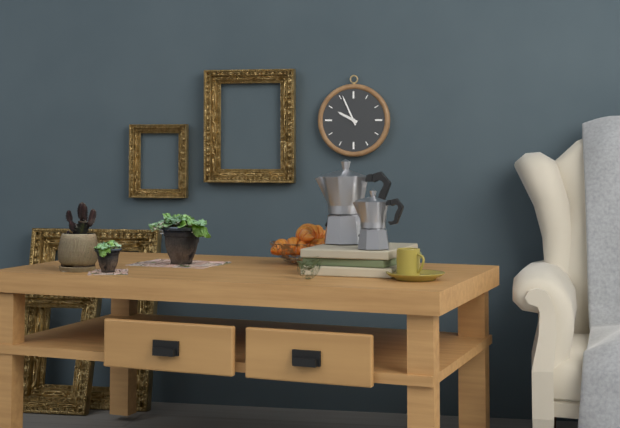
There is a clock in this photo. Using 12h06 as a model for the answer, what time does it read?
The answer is 9h56
